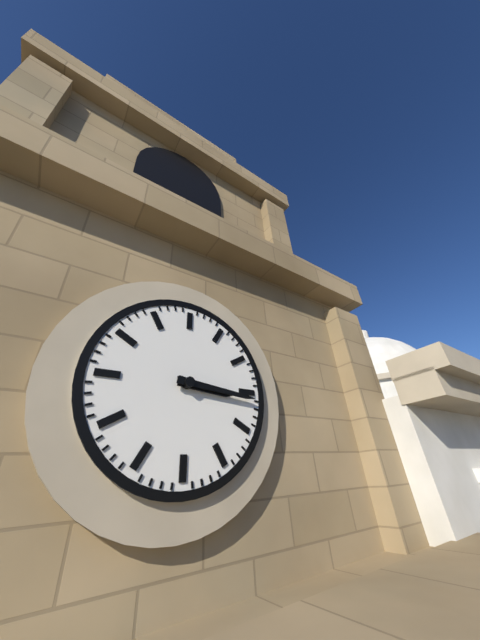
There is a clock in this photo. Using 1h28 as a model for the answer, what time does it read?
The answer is 3h16
